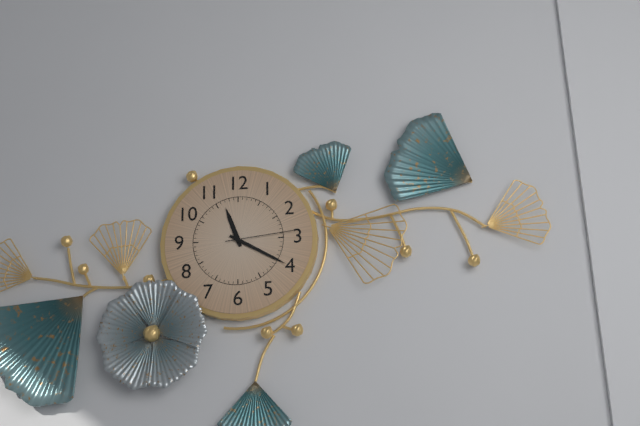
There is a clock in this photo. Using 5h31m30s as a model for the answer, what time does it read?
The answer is 11h20m14s
